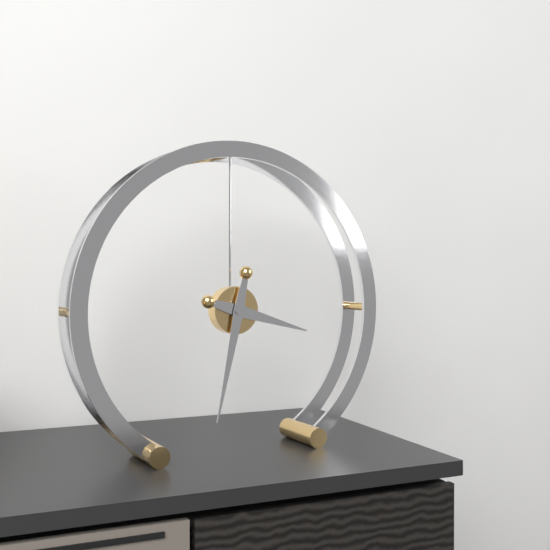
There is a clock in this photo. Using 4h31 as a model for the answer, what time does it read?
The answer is 3h32
